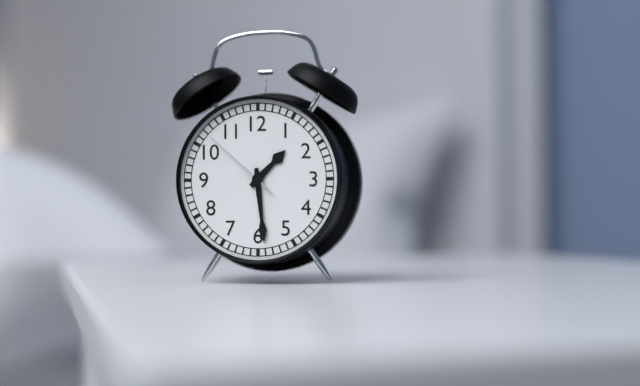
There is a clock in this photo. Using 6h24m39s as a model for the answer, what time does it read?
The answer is 1h29m52s
